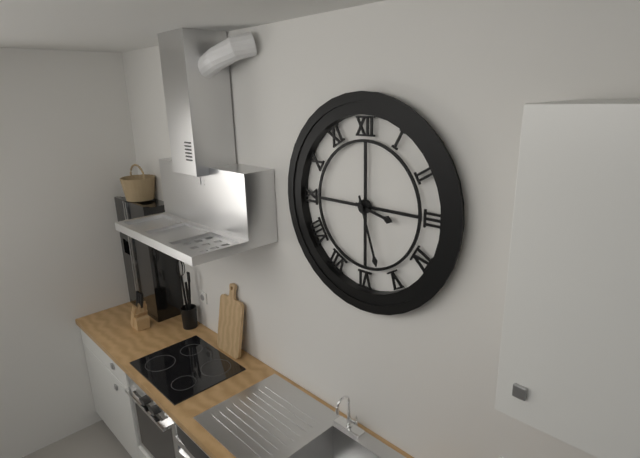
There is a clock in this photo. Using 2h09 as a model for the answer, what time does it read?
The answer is 3h27
